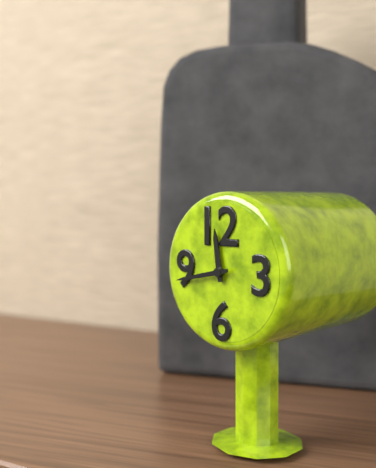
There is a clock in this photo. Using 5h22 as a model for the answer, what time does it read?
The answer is 11h43
